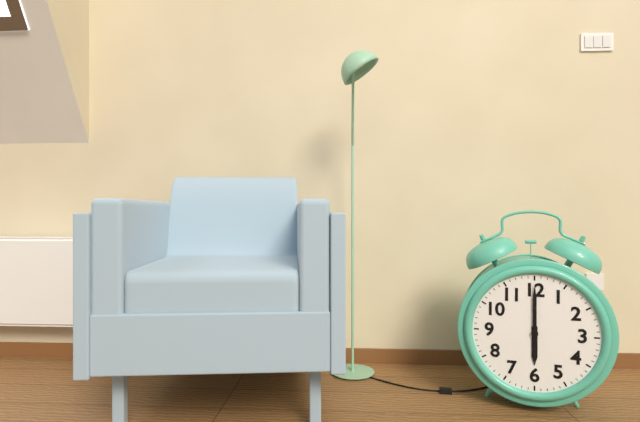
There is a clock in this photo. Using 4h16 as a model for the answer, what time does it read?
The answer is 6h00
